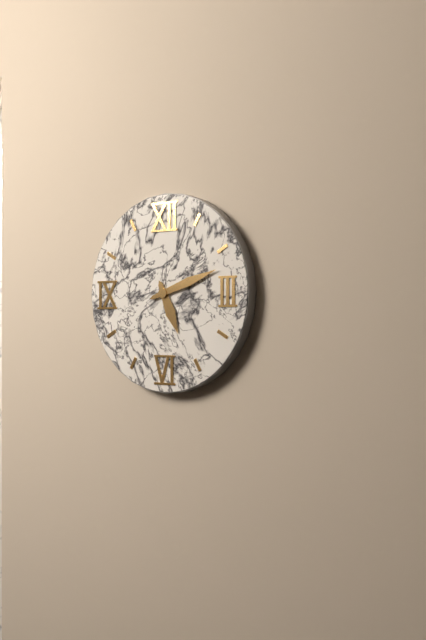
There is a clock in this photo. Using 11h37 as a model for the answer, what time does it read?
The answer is 5h12
